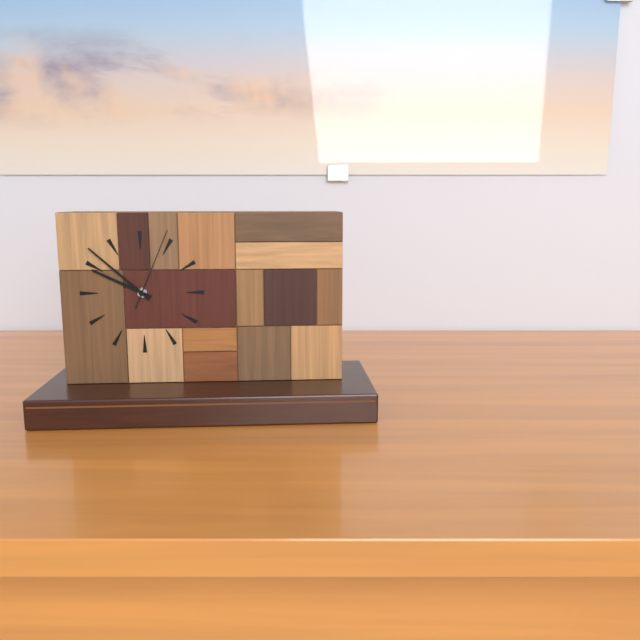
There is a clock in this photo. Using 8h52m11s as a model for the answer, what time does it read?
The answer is 9h52m04s
